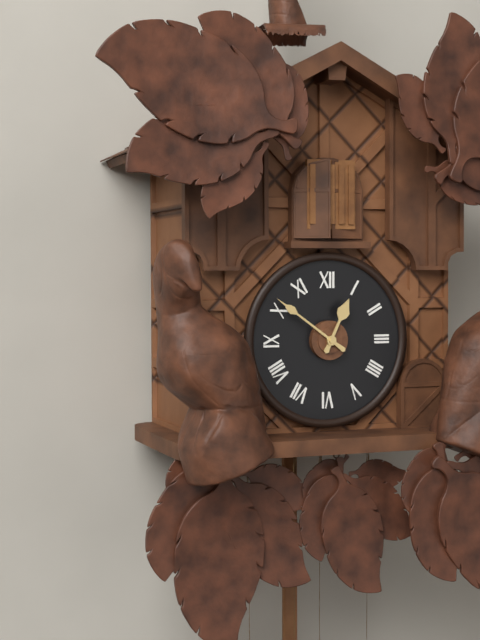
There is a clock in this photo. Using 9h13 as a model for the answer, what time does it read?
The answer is 12h51
